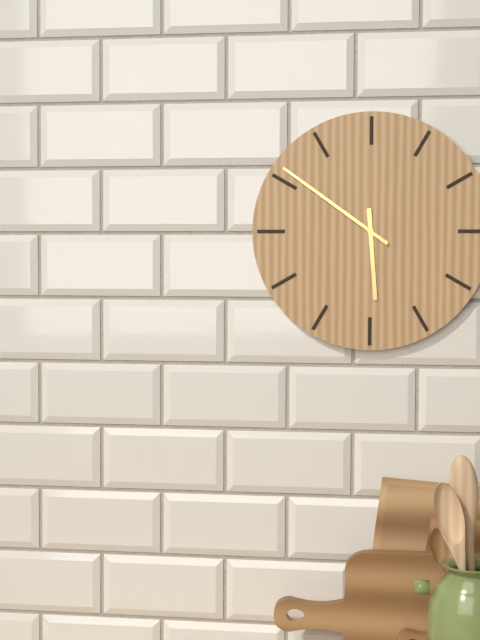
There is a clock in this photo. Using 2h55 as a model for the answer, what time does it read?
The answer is 5h51
